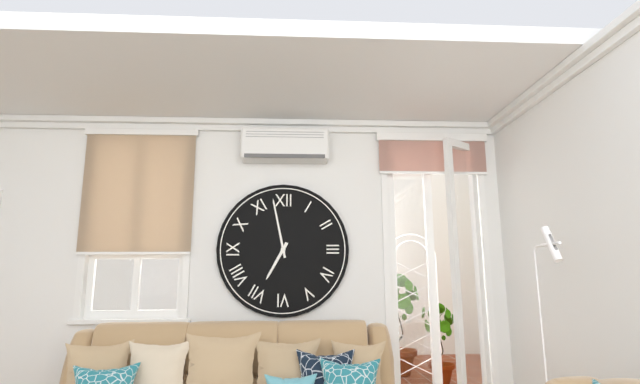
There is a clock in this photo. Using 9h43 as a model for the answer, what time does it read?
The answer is 6h58
